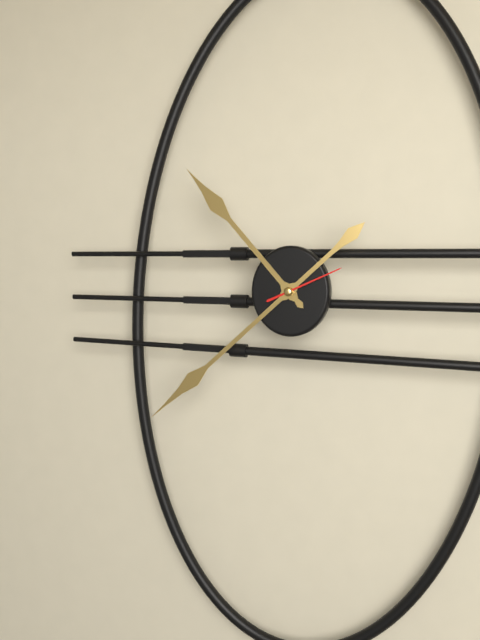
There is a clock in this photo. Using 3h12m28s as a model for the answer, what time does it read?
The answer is 10h38m11s
